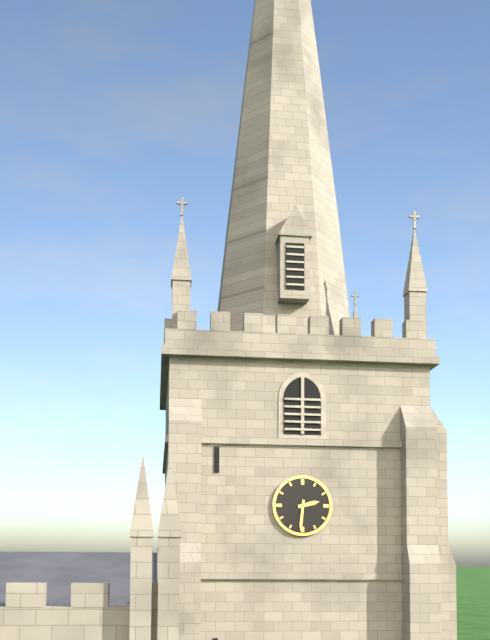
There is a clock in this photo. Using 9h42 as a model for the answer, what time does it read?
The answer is 2h31
